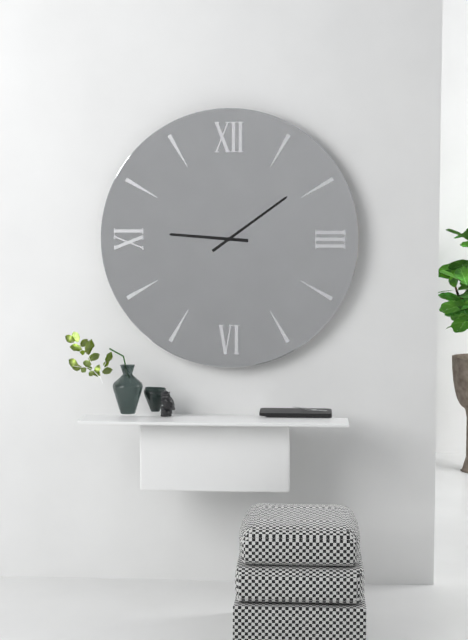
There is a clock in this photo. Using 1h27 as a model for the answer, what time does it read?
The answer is 9h09
